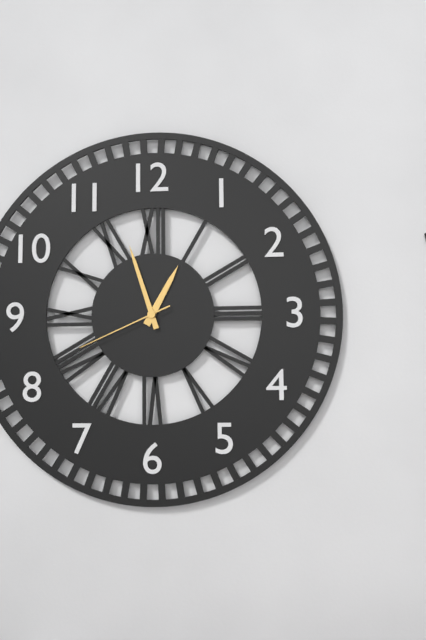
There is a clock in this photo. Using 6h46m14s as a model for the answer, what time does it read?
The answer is 12h57m41s
